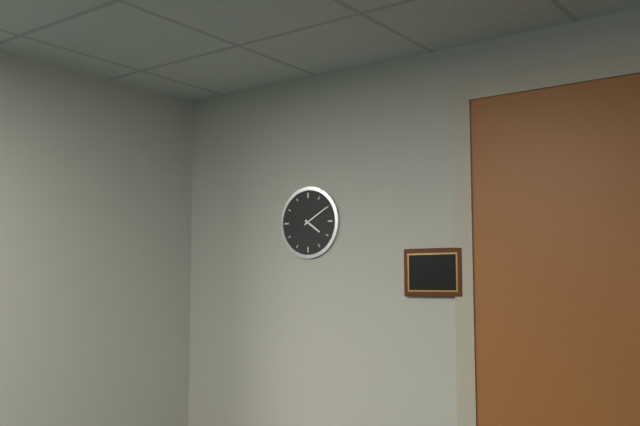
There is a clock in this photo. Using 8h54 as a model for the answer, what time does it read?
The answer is 4h10
